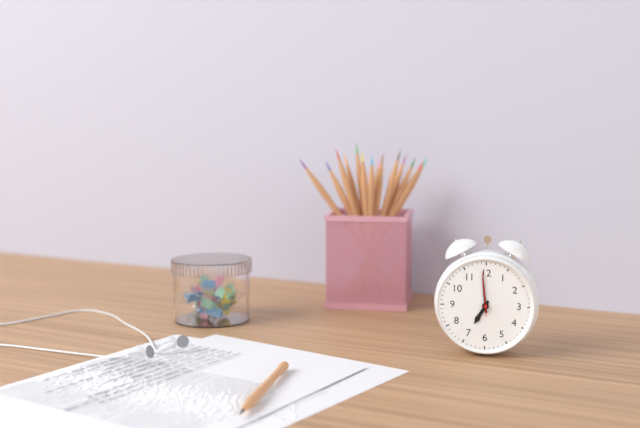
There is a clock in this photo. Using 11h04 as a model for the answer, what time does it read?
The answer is 6h59
